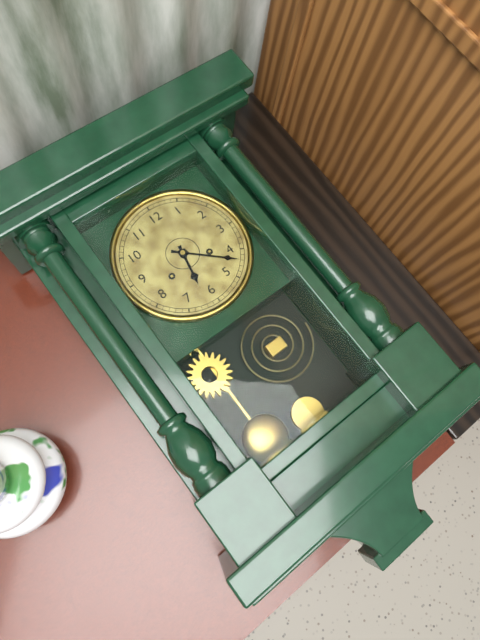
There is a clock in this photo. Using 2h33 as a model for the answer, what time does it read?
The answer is 6h22
